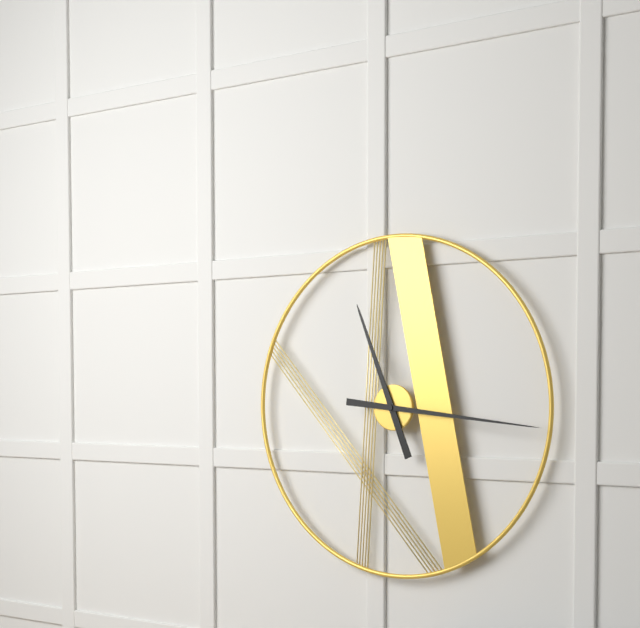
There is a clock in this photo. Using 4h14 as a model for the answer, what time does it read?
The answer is 11h16
